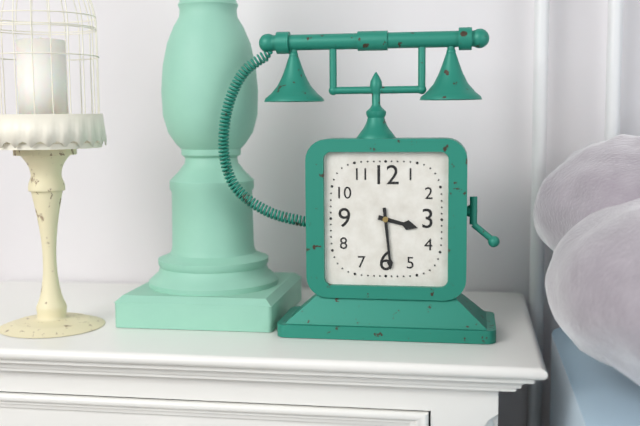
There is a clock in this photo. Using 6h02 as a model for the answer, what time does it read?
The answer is 3h29
